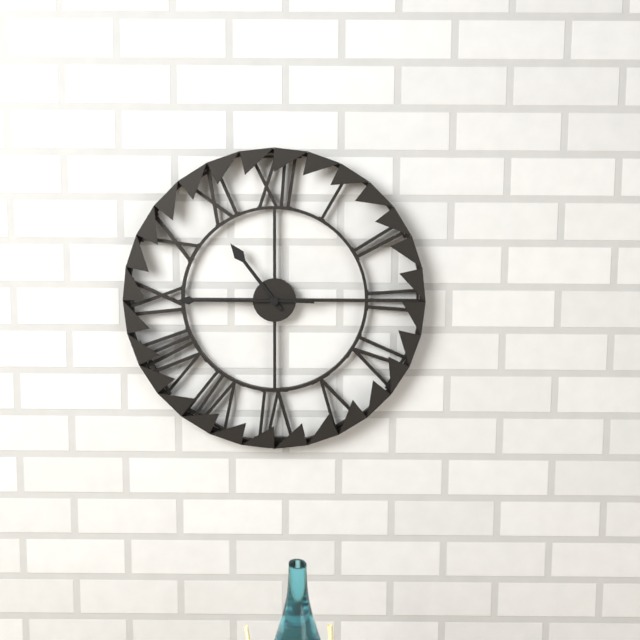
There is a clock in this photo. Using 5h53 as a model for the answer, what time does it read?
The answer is 10h45
